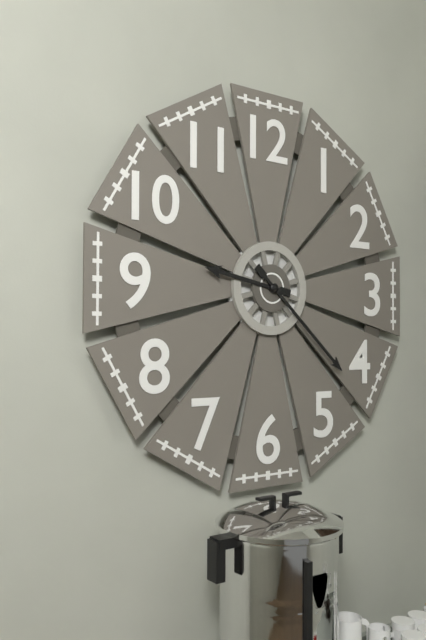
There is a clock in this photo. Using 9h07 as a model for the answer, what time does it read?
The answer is 9h22
